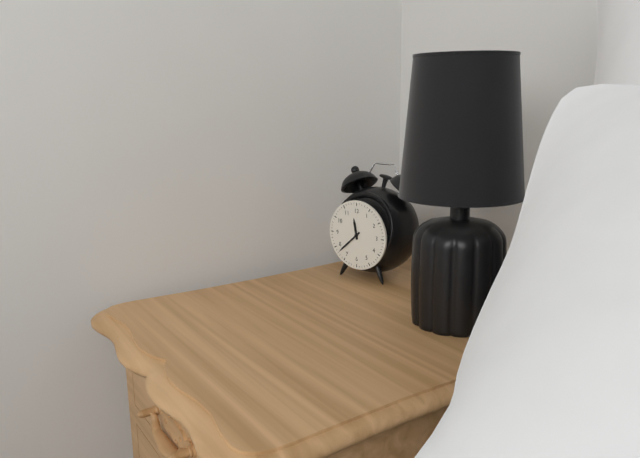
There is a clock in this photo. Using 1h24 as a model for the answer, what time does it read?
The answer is 11h38
